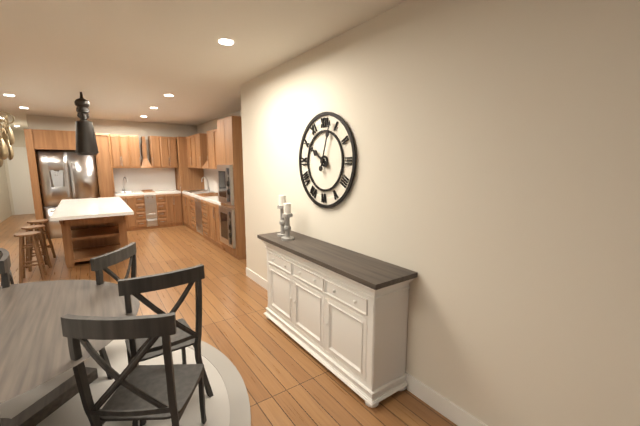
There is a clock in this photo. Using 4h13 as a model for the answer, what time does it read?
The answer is 10h03
